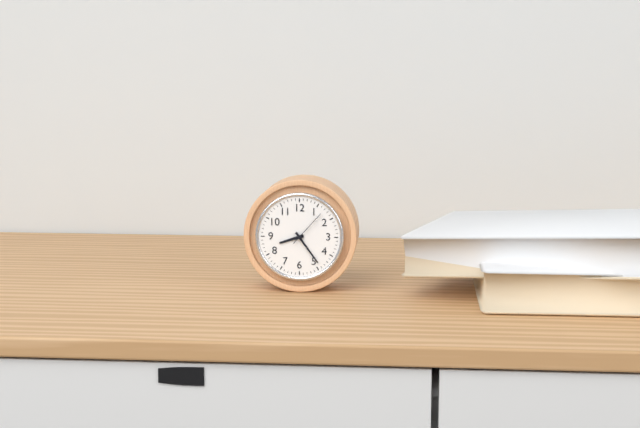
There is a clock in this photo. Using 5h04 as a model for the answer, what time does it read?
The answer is 8h24
